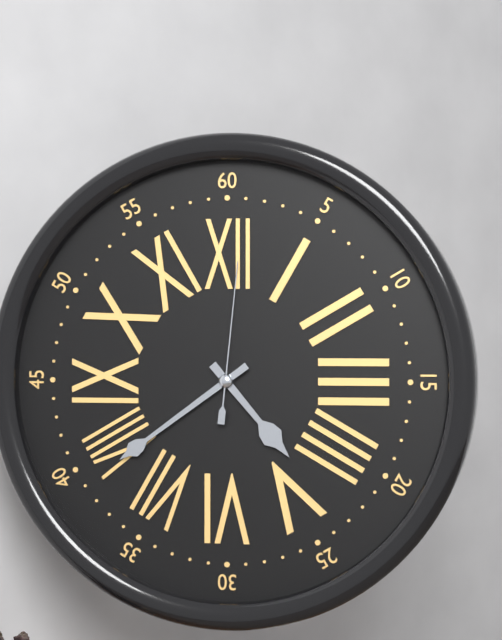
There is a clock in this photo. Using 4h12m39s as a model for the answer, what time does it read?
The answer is 4h39m01s
